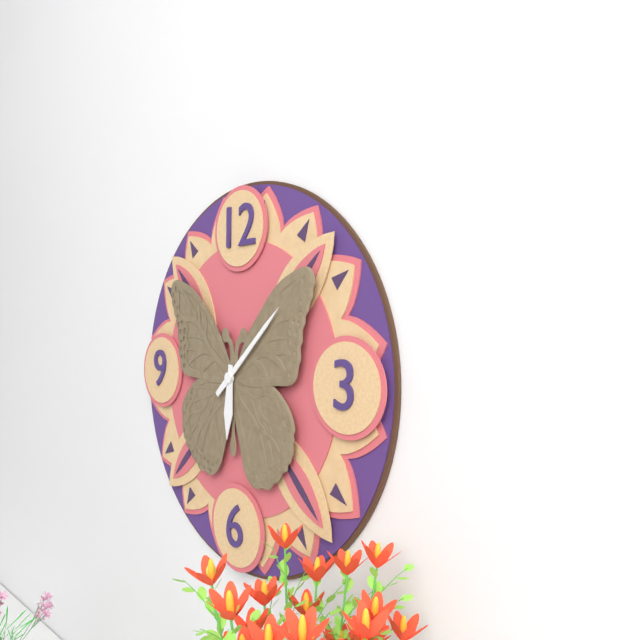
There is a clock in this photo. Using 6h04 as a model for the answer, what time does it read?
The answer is 6h08
